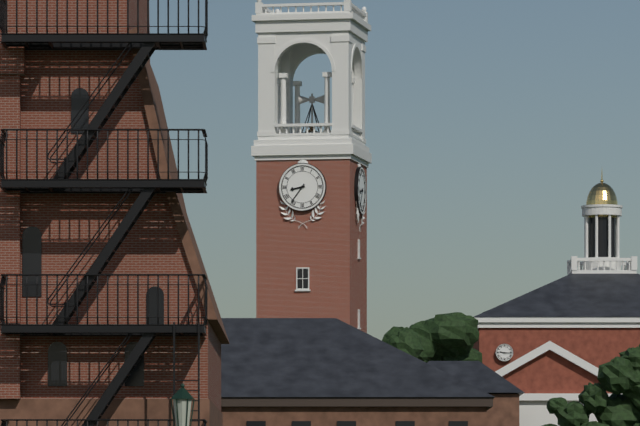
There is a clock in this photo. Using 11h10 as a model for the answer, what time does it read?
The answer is 8h36
